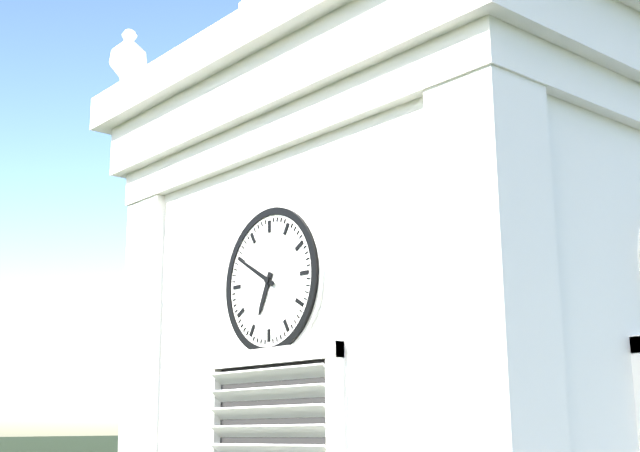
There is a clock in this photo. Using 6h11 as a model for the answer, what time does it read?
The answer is 6h50
